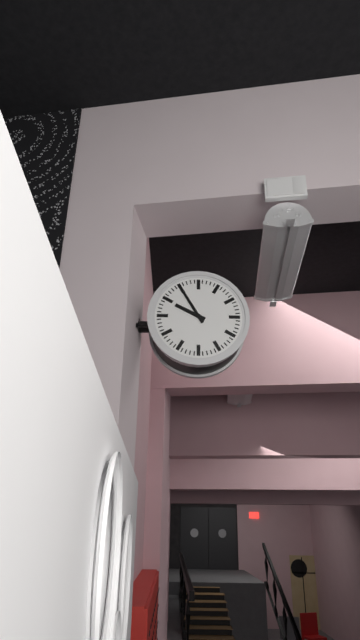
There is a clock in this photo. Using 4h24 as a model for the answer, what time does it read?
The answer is 9h55
